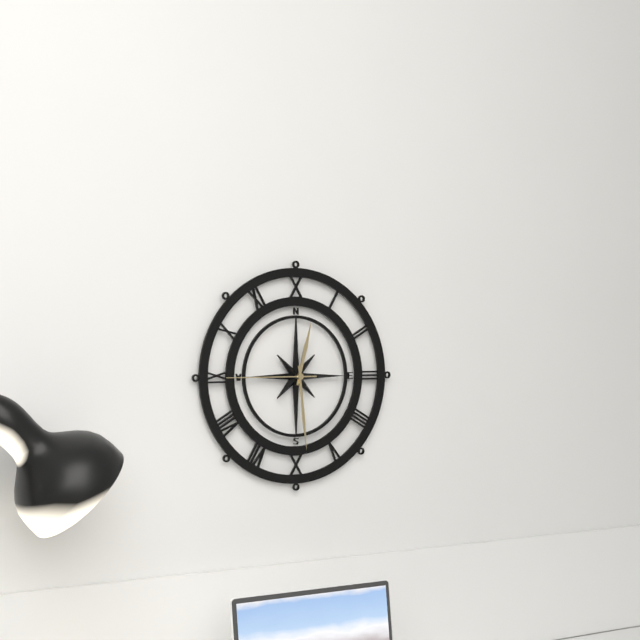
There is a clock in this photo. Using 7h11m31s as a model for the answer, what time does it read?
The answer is 12h29m45s
